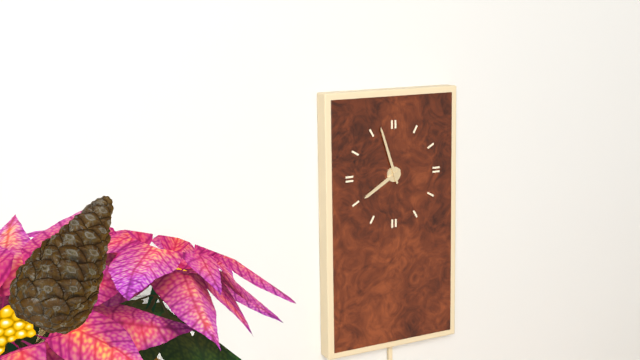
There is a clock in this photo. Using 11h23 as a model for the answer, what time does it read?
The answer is 7h57
